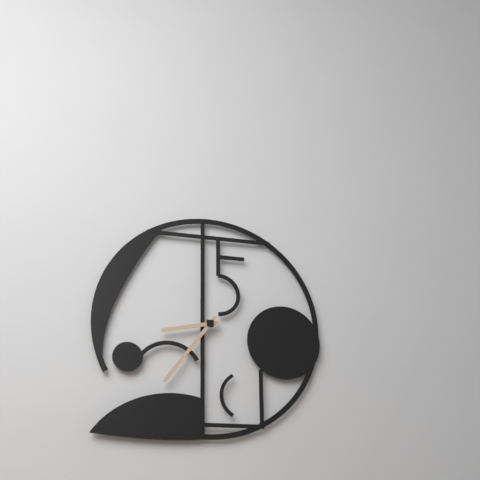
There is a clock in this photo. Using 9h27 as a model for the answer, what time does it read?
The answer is 8h36
